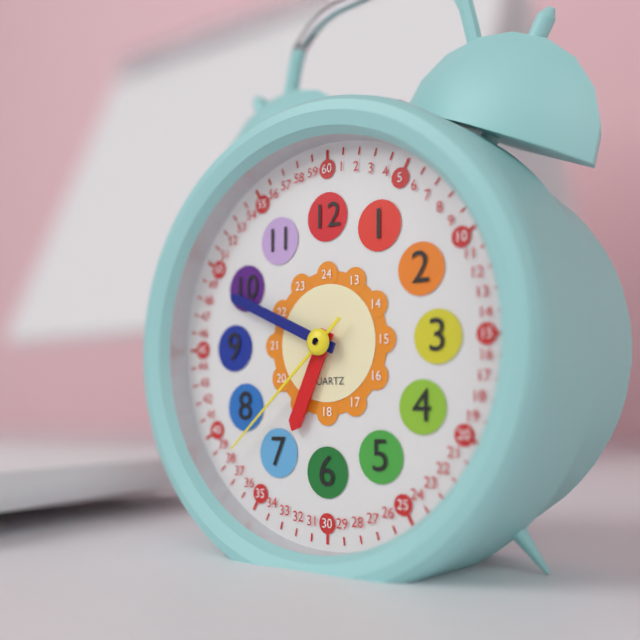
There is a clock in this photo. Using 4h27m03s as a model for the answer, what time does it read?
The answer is 6h49m38s
